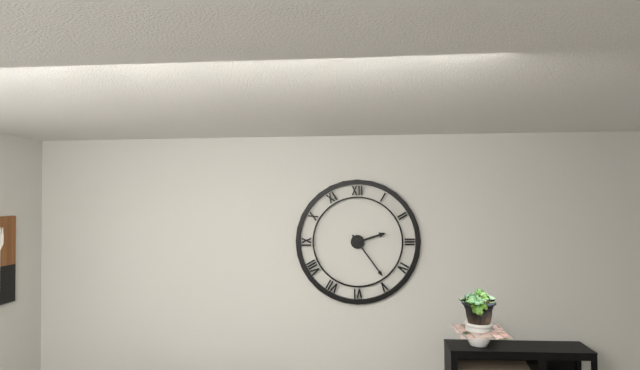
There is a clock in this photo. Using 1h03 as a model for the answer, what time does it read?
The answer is 2h24
